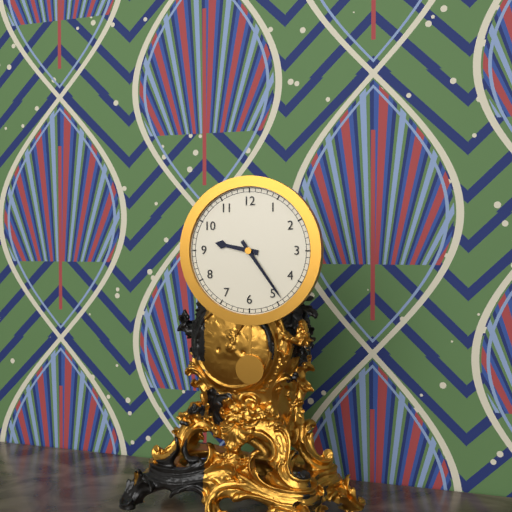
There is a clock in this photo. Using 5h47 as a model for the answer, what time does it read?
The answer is 9h24
